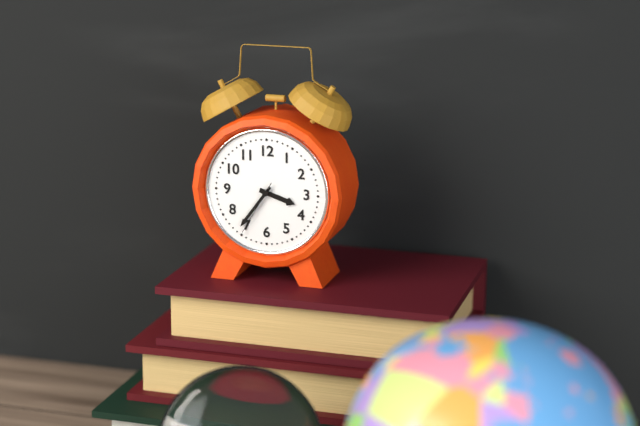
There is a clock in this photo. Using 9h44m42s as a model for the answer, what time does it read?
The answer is 3h36m35s
